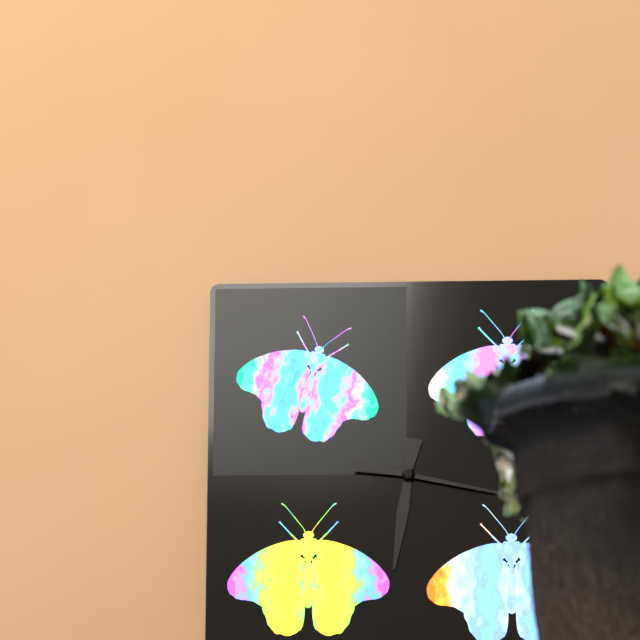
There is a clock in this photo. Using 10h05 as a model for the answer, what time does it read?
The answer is 6h17
